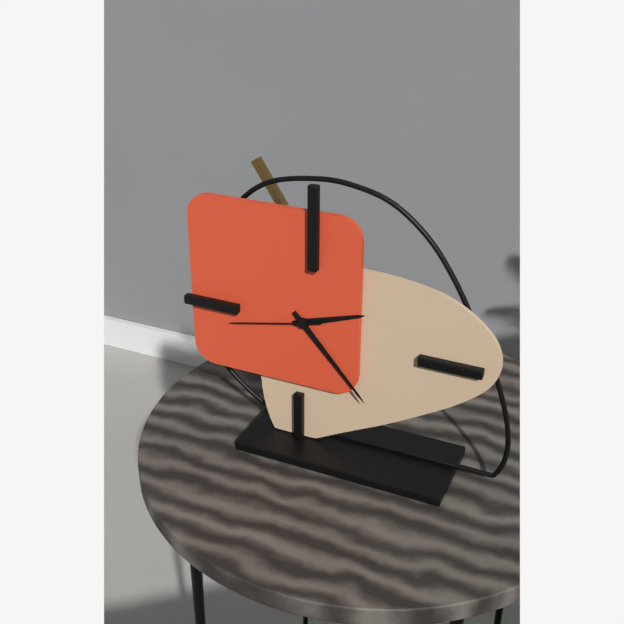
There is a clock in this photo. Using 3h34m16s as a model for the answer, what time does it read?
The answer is 2h23m43s
